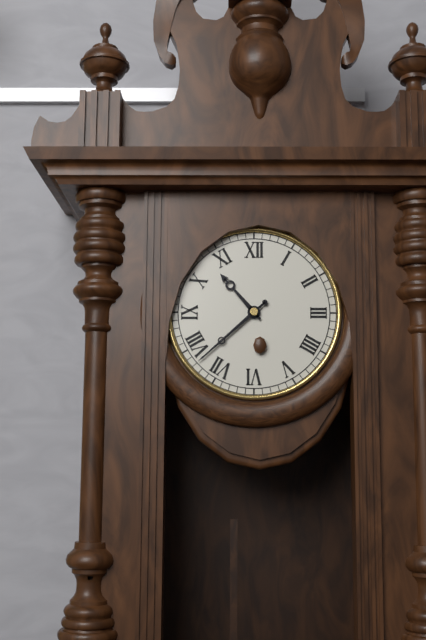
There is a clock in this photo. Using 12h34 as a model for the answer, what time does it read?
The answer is 10h38
